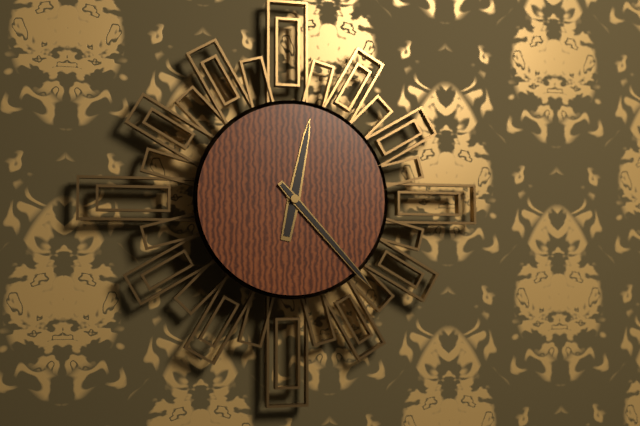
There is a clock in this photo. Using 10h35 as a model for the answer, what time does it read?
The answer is 12h23
